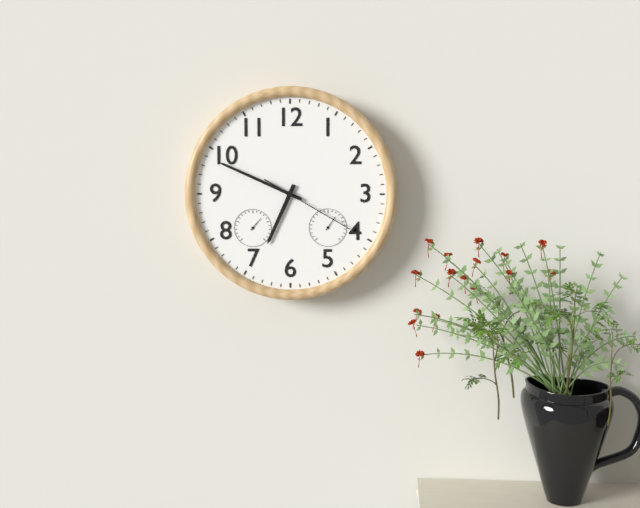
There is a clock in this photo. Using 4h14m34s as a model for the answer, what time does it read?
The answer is 6h49m20s
